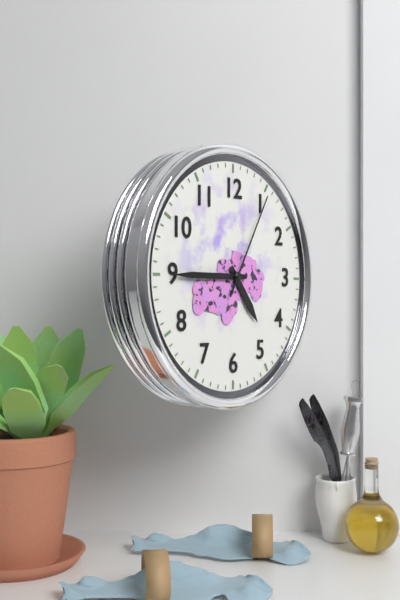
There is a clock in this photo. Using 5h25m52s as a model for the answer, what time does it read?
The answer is 4h45m05s
